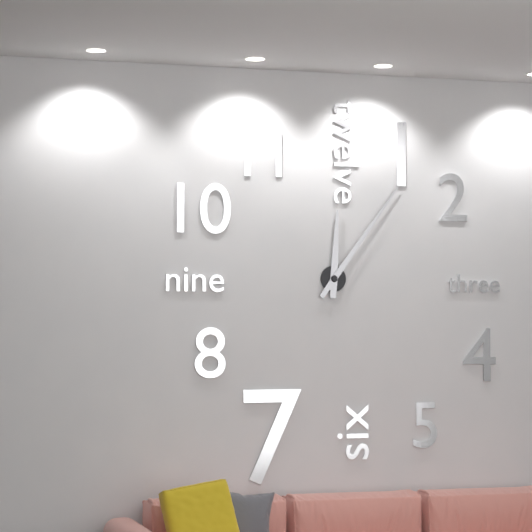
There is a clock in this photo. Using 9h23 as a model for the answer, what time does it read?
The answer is 12h06
